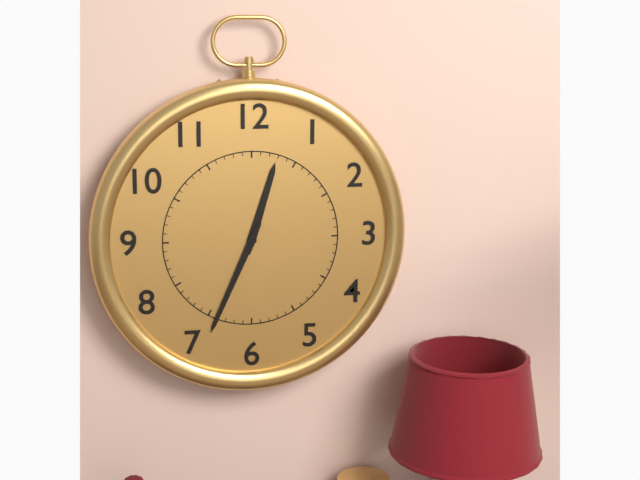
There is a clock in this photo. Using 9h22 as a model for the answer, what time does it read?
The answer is 12h34
